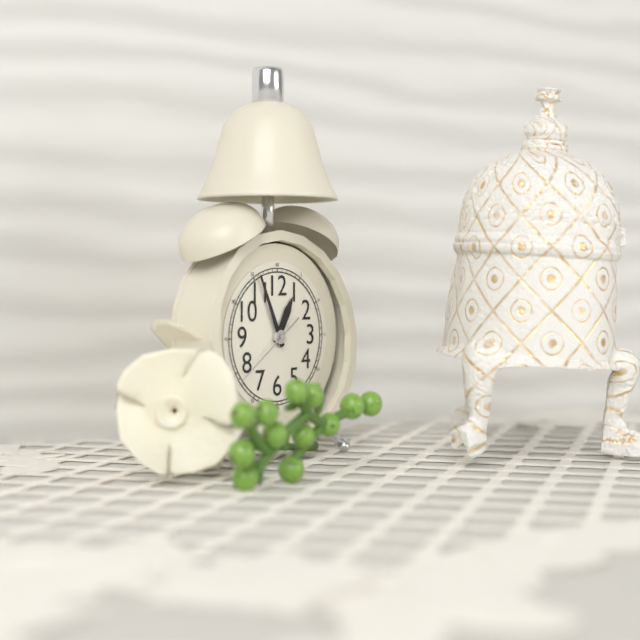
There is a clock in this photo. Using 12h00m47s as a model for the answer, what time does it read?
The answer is 12h56m39s
